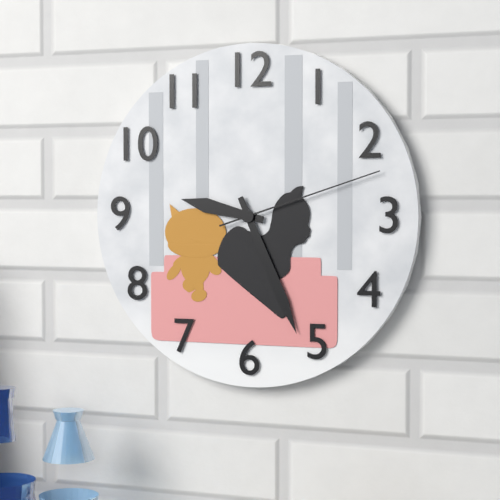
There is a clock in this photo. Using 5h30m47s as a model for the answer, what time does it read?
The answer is 9h26m12s
